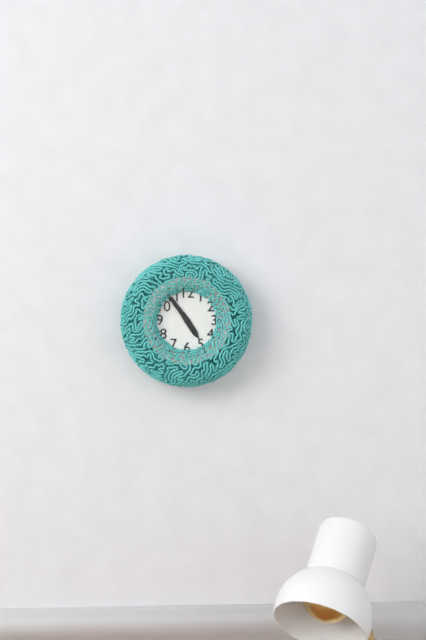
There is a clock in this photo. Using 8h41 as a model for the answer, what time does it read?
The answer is 4h54
